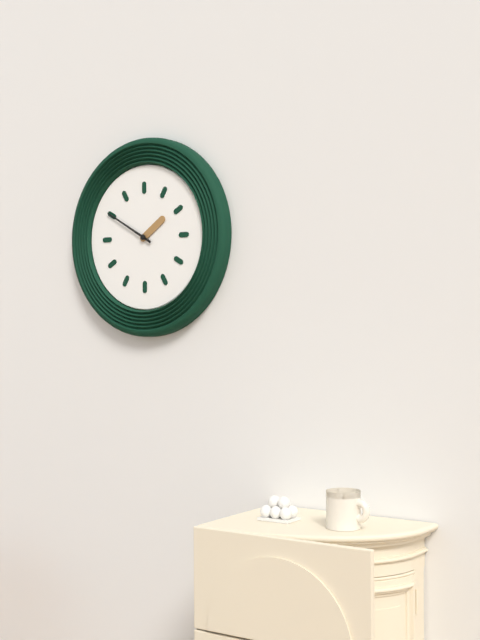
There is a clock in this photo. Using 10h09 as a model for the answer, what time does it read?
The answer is 1h50
